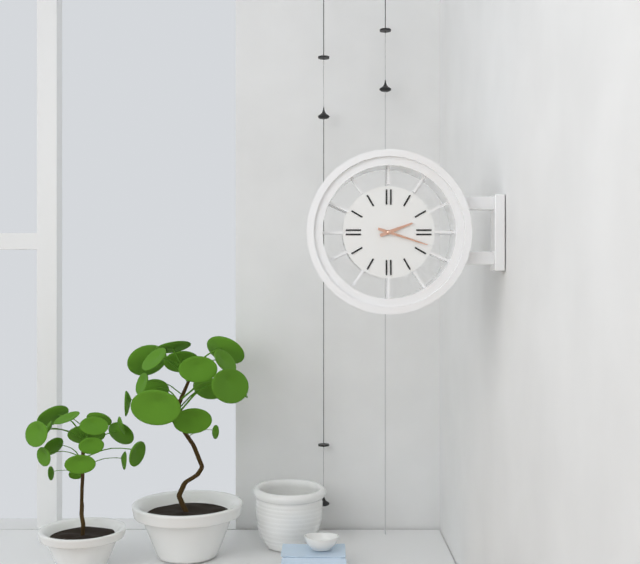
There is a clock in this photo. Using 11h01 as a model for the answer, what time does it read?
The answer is 2h18
